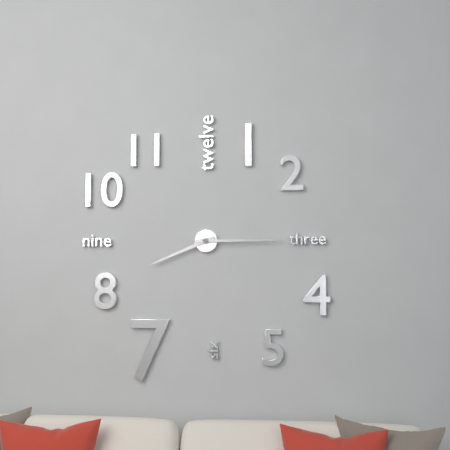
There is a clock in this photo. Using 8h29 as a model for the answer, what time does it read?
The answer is 8h15
